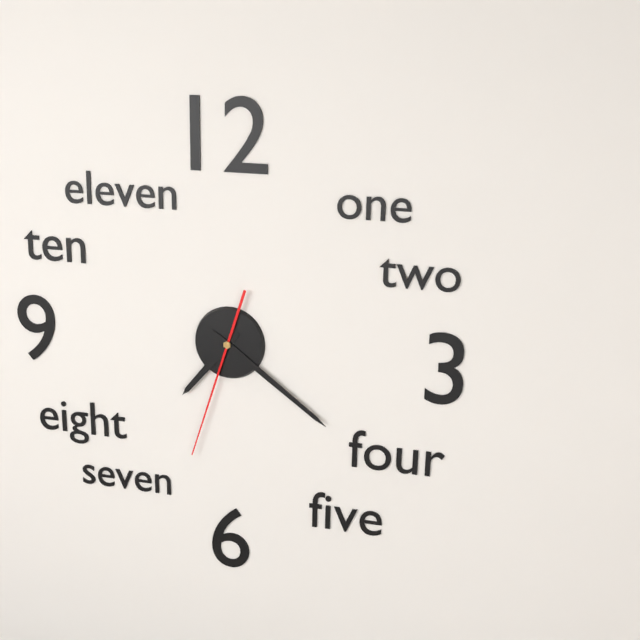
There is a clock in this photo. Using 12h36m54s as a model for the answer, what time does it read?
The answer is 7h21m33s
